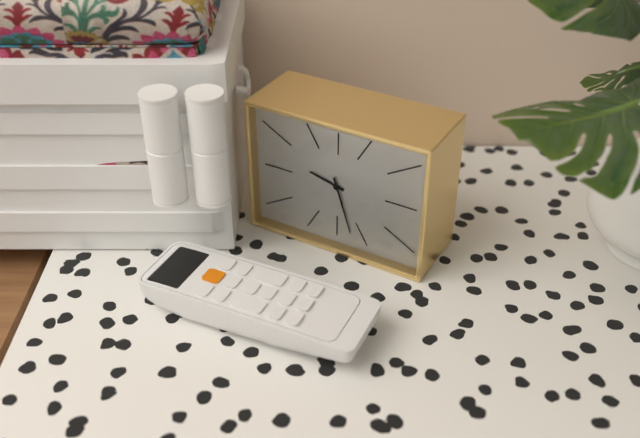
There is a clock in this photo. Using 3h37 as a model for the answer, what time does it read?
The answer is 9h27
